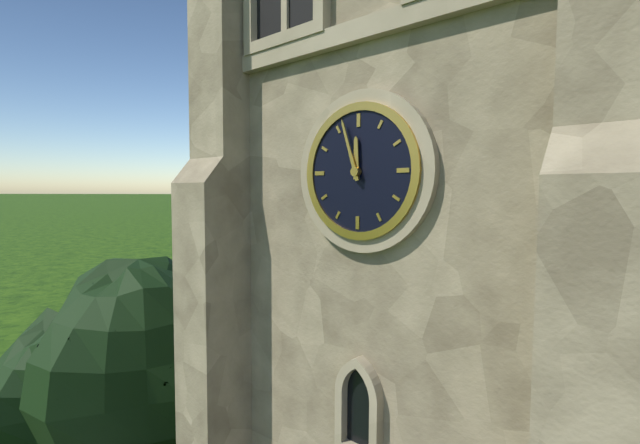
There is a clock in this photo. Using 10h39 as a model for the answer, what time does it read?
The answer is 11h57
